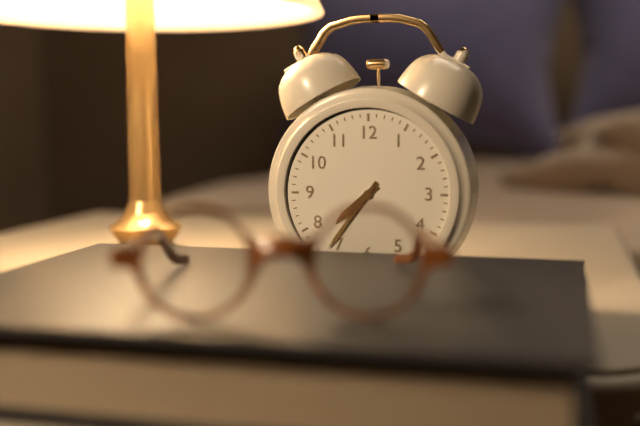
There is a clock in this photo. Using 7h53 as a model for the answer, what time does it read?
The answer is 7h36
